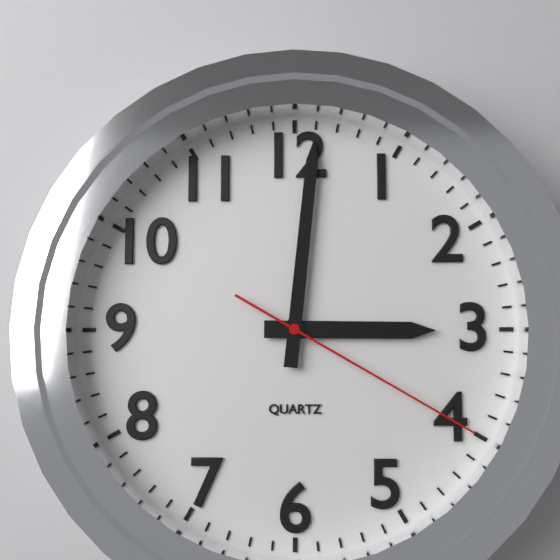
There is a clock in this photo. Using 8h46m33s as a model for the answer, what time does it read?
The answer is 3h01m20s
